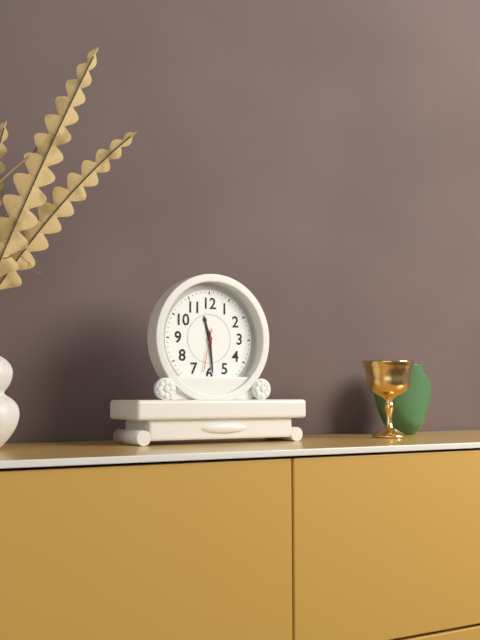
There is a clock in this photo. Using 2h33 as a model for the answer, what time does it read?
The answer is 11h29
